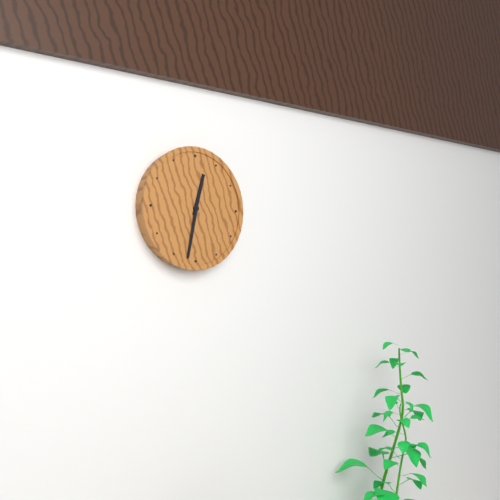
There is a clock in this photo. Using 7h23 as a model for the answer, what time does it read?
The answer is 12h32
